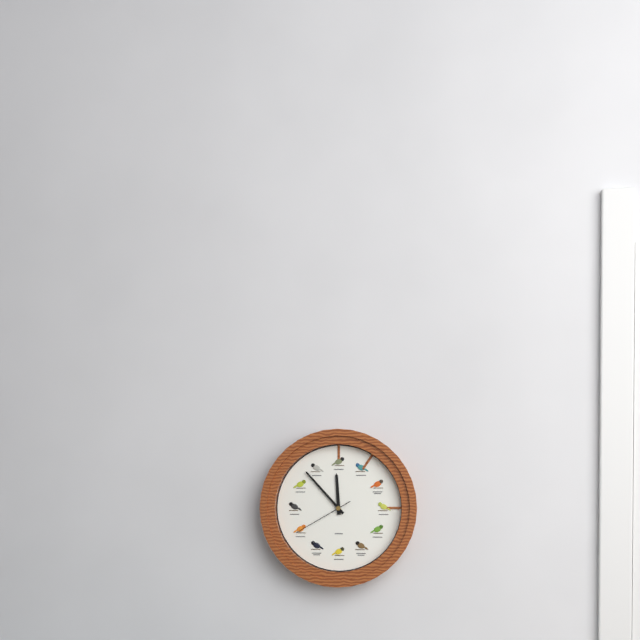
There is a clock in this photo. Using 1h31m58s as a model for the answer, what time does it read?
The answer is 11h53m40s
